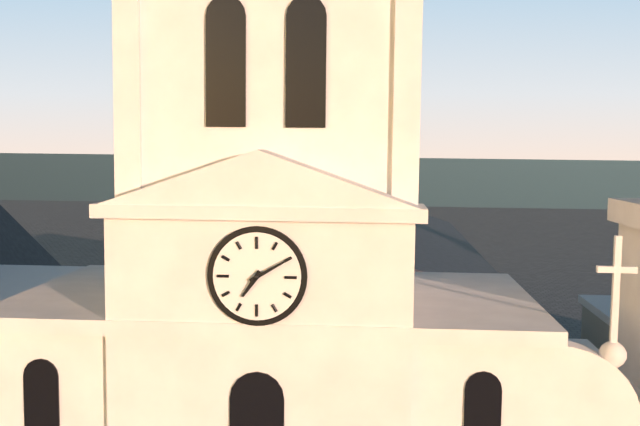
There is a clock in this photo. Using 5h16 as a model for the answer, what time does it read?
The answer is 7h10
